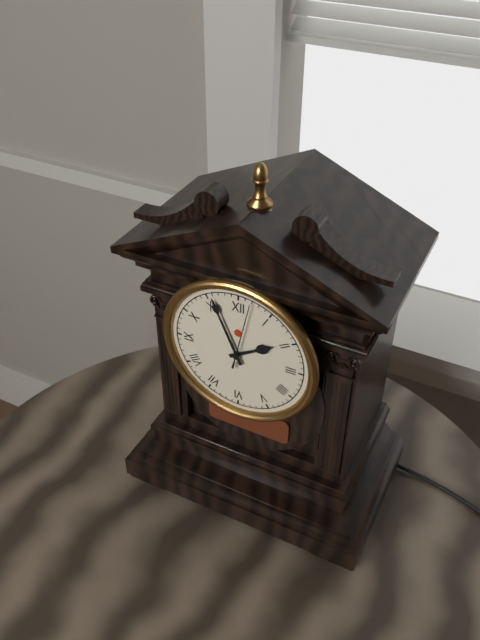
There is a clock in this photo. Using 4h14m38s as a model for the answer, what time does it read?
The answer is 1h56m02s
